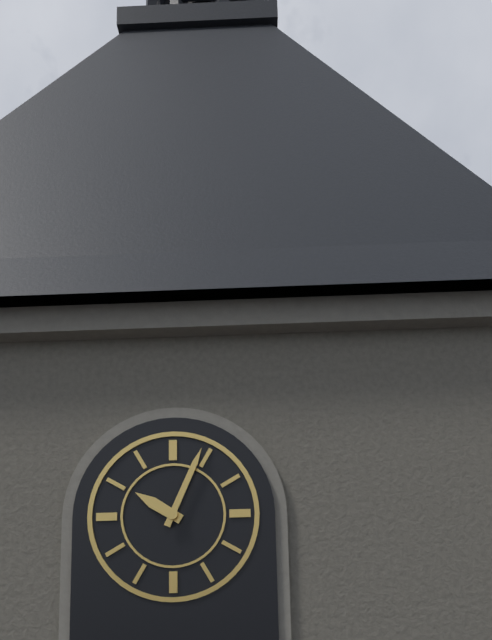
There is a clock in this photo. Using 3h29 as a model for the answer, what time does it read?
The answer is 10h04
